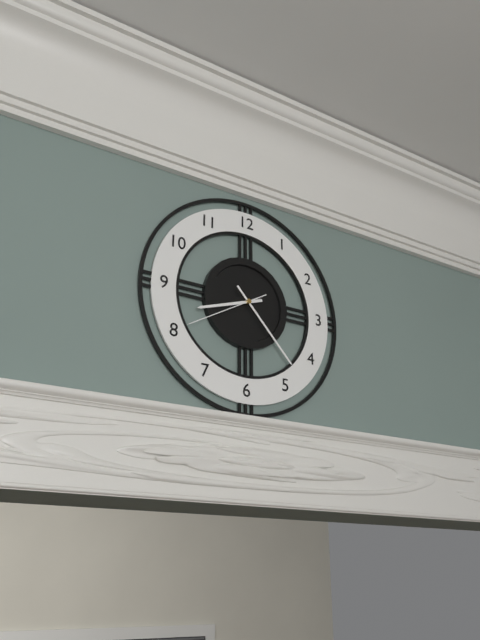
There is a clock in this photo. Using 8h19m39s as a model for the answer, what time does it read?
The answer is 8h23m40s
